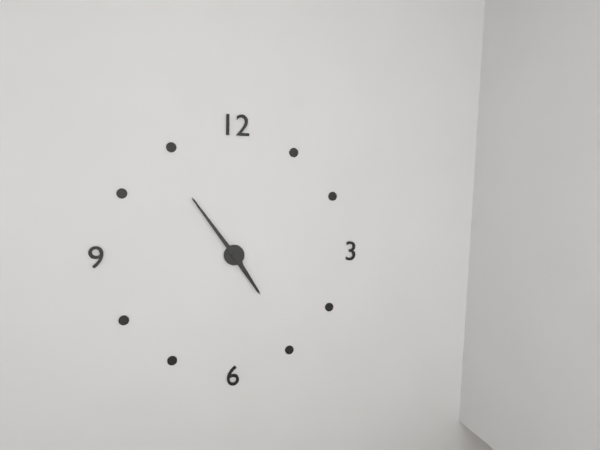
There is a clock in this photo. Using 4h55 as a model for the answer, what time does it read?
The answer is 4h54
